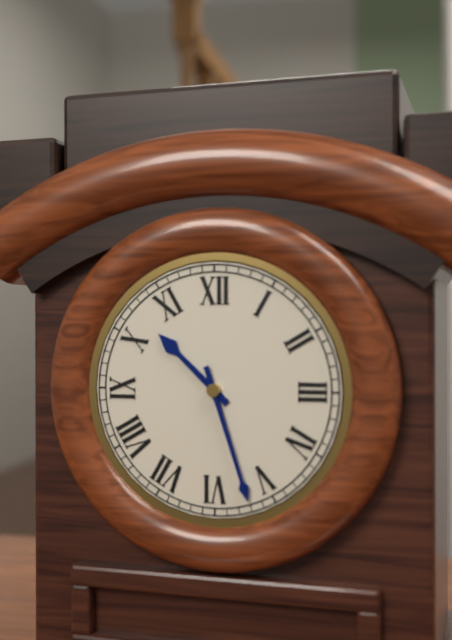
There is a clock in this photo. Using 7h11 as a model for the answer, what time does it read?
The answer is 10h27
